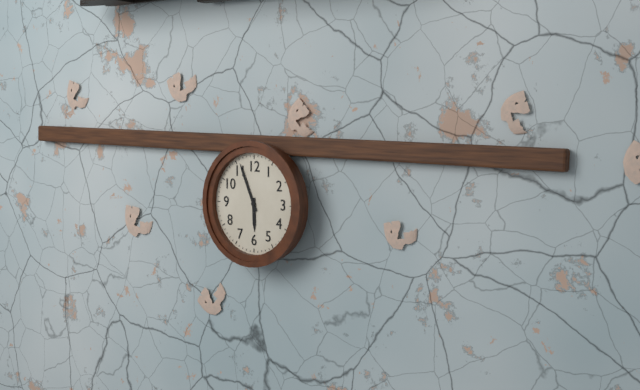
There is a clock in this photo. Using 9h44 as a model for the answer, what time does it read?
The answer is 5h56
